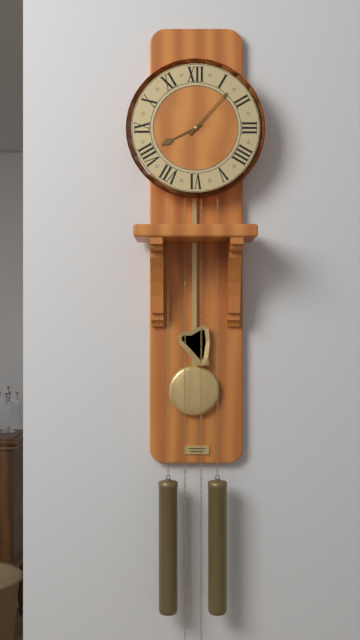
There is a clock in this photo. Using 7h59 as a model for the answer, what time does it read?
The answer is 8h07
